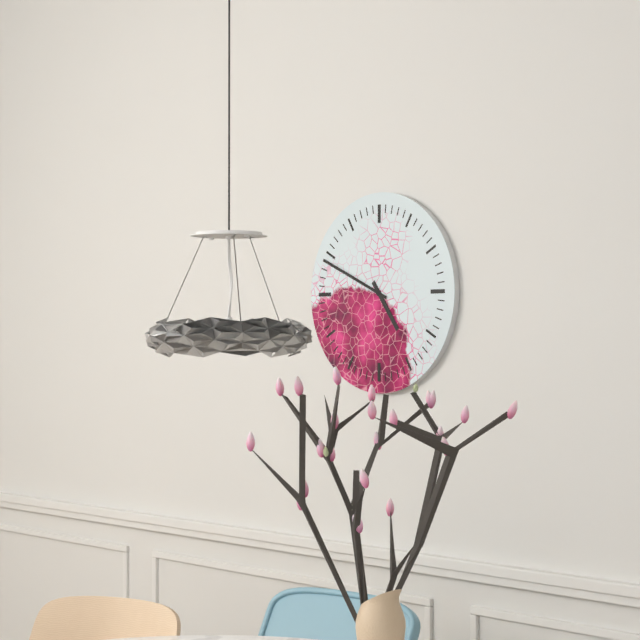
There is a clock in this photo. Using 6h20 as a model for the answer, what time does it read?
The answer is 4h49
